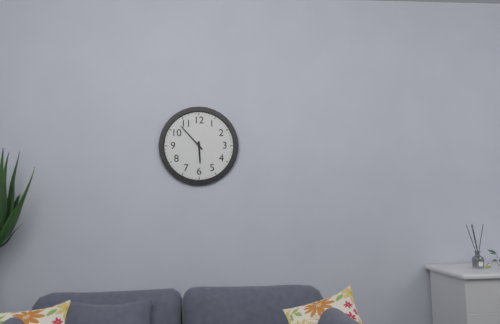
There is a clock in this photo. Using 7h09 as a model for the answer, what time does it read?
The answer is 5h53
